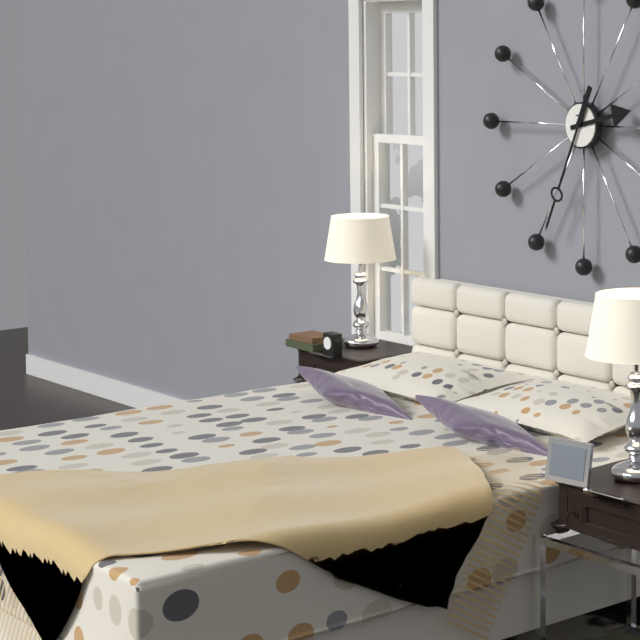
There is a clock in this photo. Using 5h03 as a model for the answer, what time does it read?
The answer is 2h34
